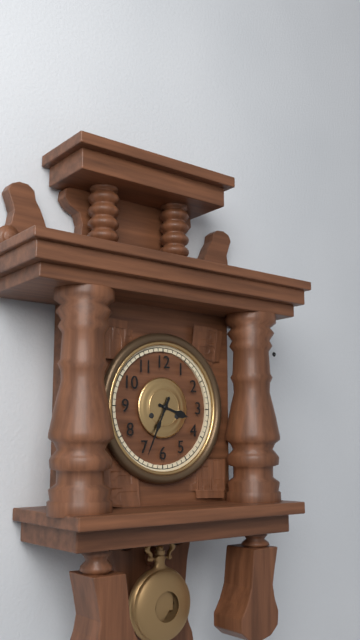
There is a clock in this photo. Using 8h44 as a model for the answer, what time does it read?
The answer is 3h34
